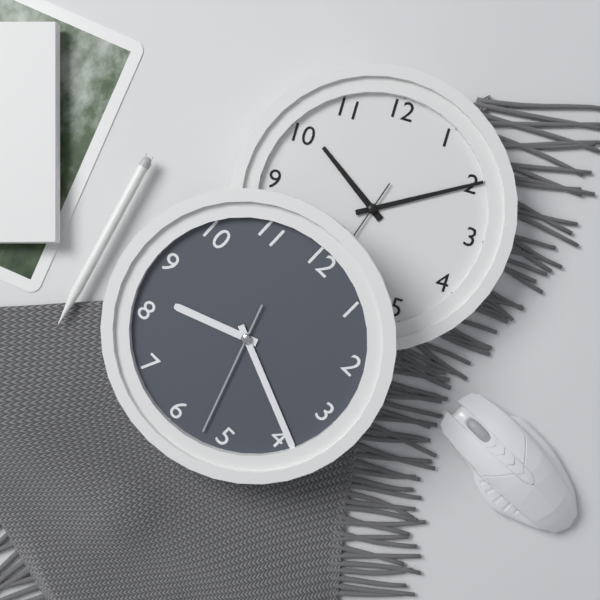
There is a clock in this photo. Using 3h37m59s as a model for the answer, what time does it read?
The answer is 8h19m27s
